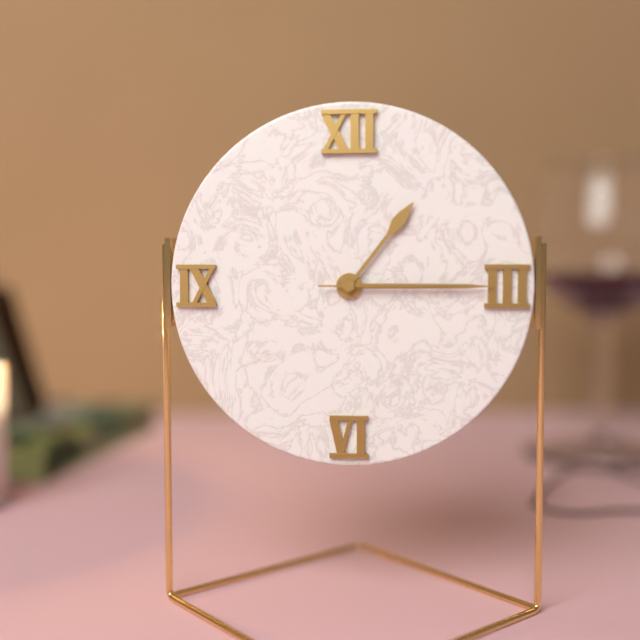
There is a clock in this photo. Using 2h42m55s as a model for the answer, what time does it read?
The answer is 1h15m15s
